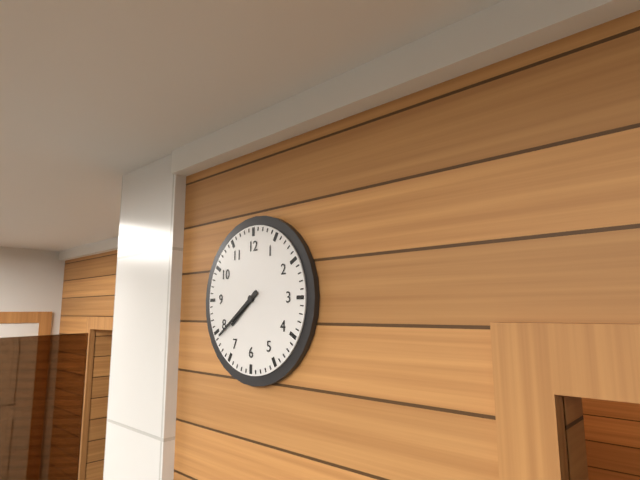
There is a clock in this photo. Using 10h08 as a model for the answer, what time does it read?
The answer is 7h39
